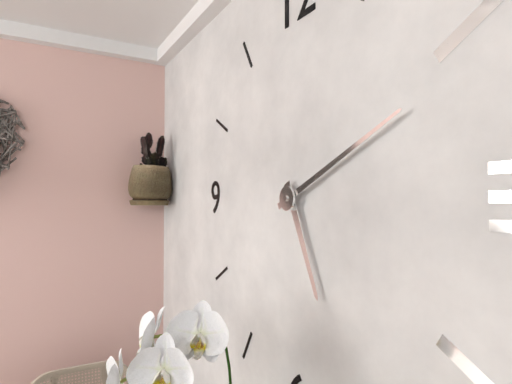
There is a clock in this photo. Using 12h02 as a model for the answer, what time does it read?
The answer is 5h11
